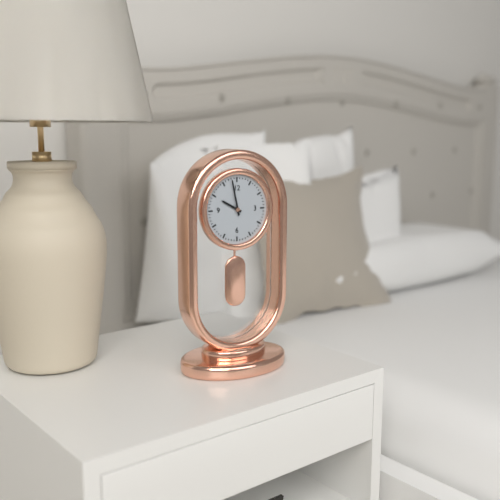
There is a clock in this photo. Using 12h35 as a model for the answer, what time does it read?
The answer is 9h58
